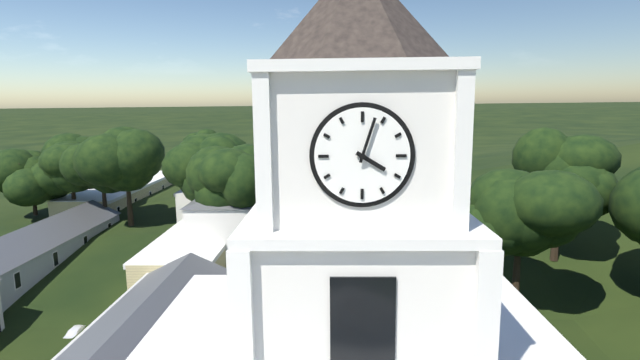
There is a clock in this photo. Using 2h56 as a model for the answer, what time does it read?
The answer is 4h03
